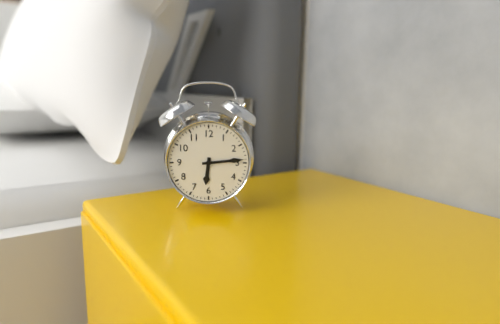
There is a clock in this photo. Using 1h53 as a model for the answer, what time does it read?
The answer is 6h14
